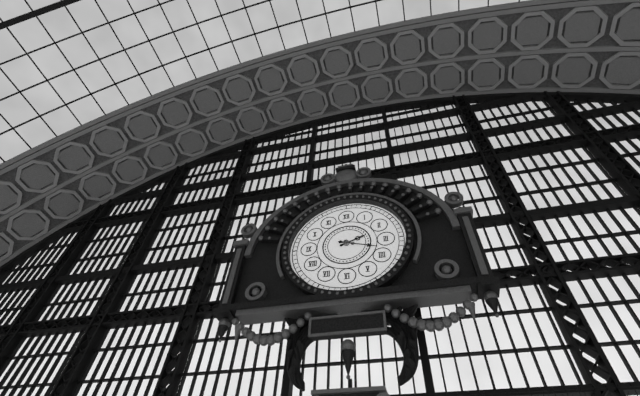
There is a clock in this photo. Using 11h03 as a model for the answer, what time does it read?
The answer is 2h18
